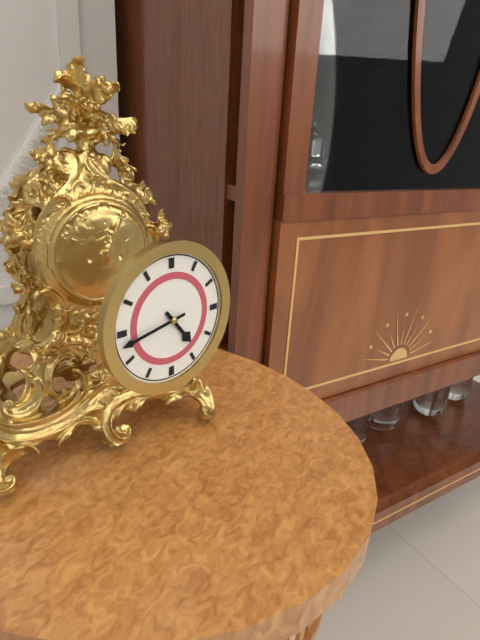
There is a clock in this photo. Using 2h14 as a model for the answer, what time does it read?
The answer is 4h43
